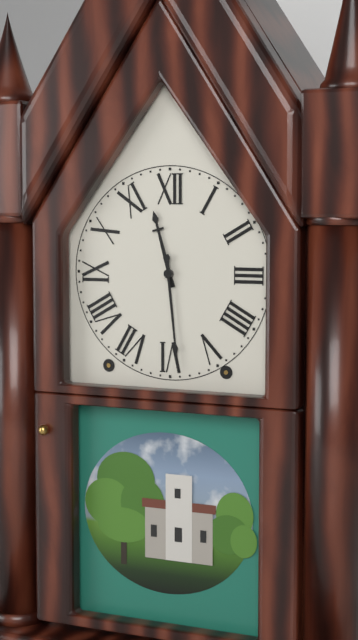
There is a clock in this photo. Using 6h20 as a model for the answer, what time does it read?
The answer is 11h29
